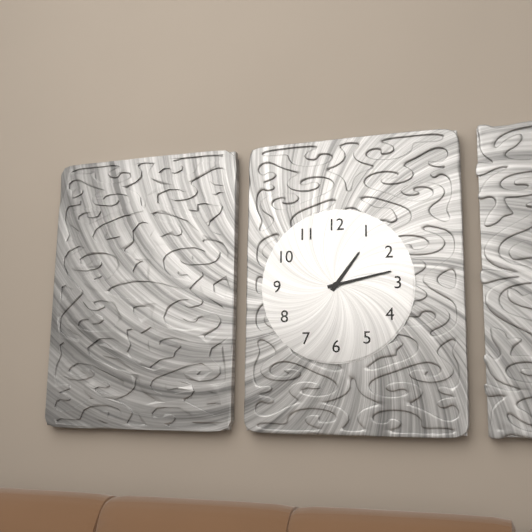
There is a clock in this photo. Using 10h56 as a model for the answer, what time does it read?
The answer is 1h13
